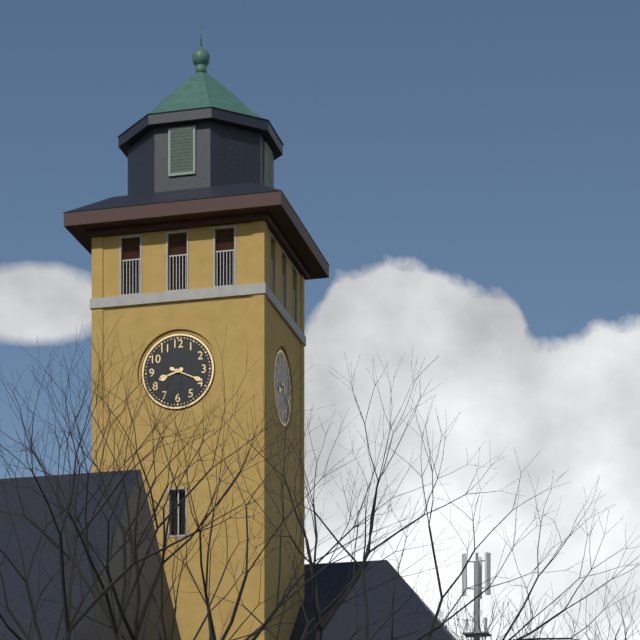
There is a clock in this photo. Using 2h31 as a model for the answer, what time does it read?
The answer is 8h19
